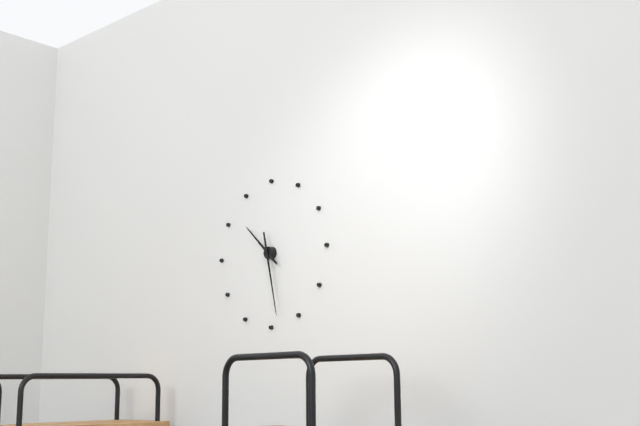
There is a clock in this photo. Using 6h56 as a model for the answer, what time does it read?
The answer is 10h28
